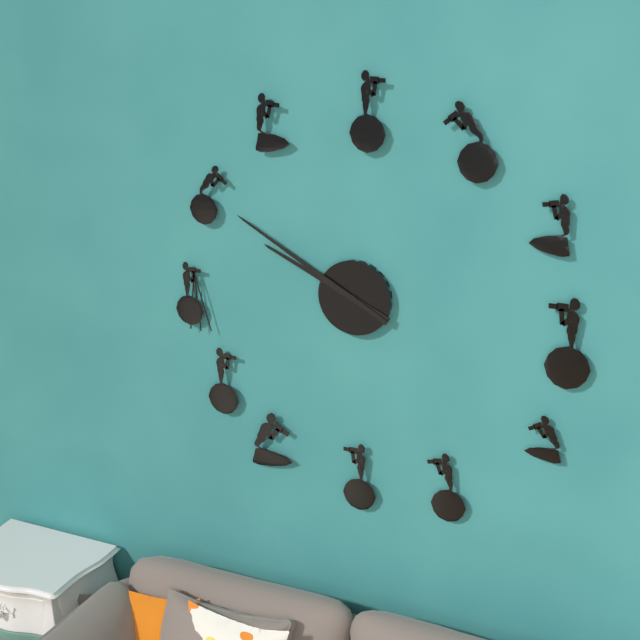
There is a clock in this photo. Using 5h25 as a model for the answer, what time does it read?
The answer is 9h50
